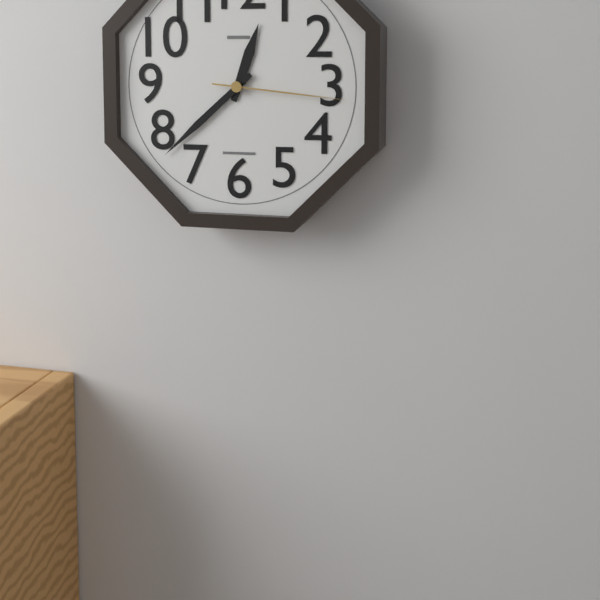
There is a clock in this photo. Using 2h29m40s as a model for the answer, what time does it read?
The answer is 12h38m16s
